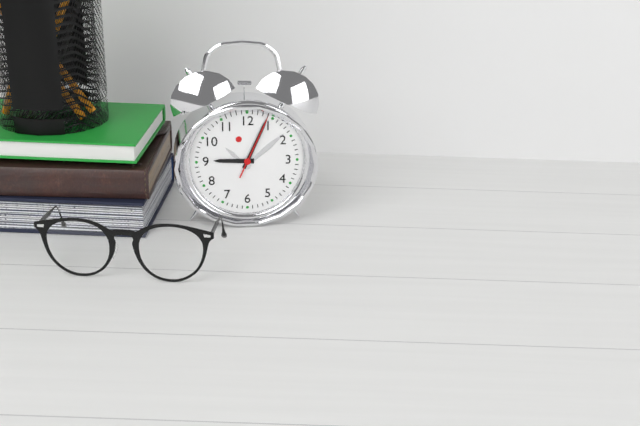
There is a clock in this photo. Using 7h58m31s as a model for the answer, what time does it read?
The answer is 9h04m04s
